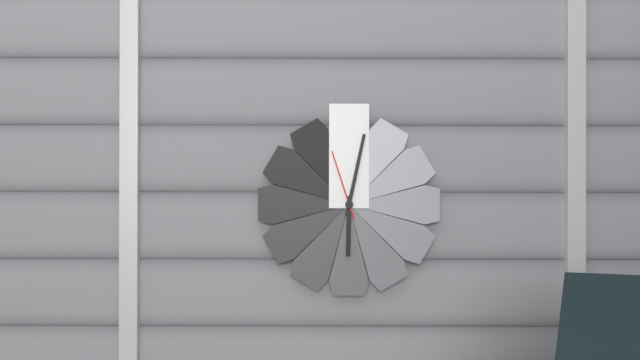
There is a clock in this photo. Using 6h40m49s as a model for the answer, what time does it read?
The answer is 6h02m57s
